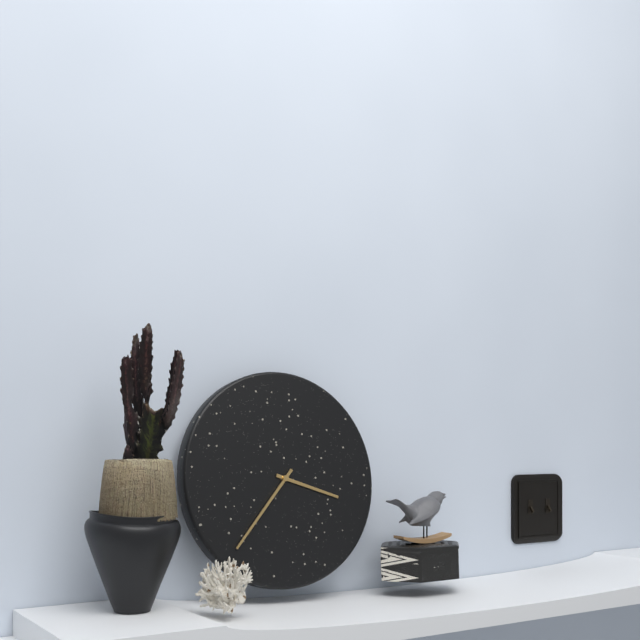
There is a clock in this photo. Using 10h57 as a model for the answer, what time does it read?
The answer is 3h37
